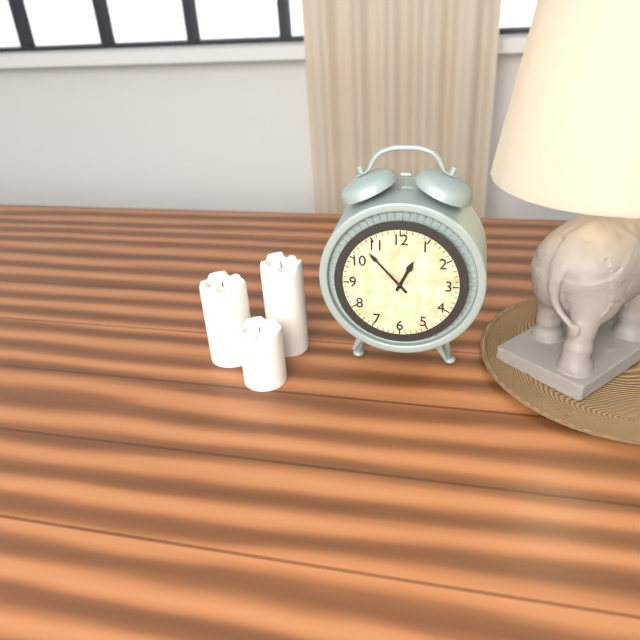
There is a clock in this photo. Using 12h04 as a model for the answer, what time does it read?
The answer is 12h53
